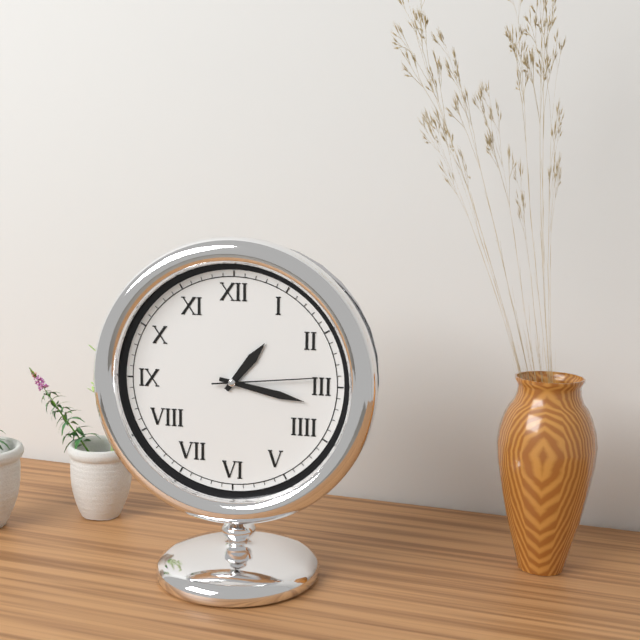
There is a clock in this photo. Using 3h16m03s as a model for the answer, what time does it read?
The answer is 1h17m14s
